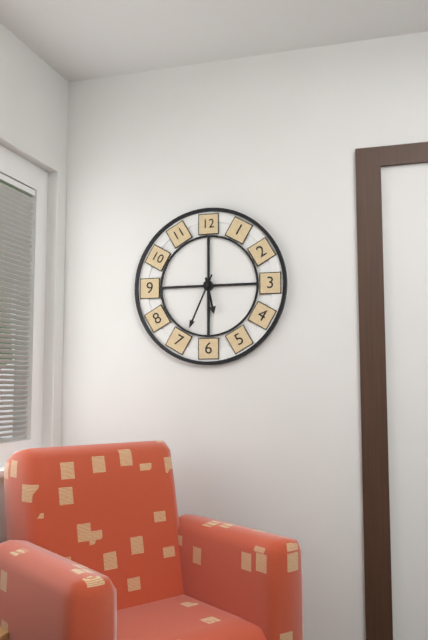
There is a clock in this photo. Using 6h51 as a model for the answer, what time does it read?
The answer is 5h34
